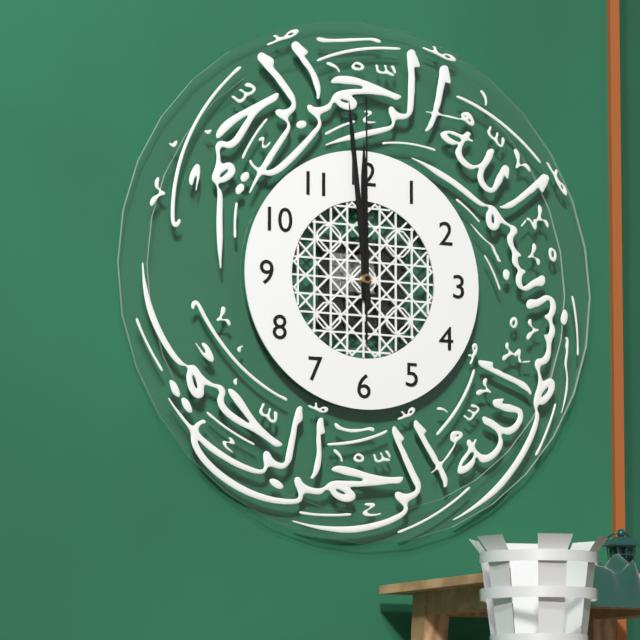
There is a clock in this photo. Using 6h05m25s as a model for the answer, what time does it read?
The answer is 11h59m00s
